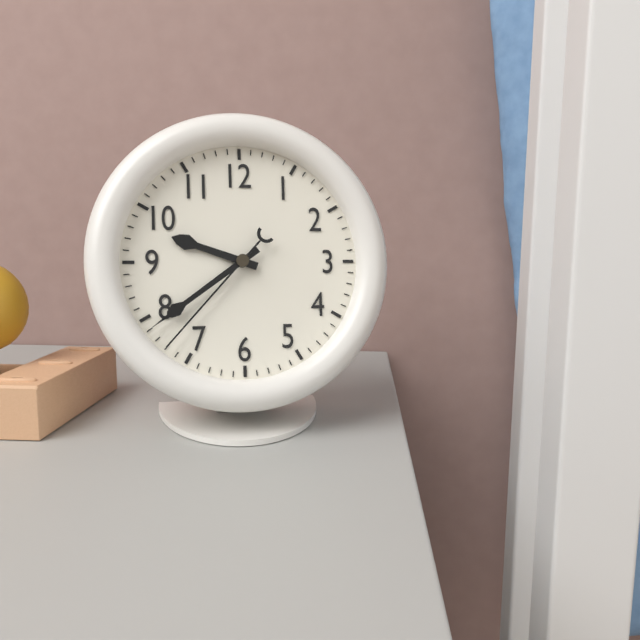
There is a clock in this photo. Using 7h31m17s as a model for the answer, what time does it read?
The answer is 9h39m37s
